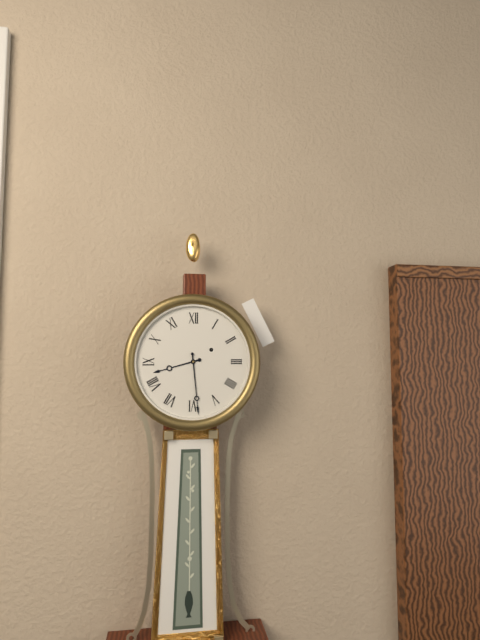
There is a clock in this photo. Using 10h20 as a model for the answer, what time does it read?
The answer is 8h29
